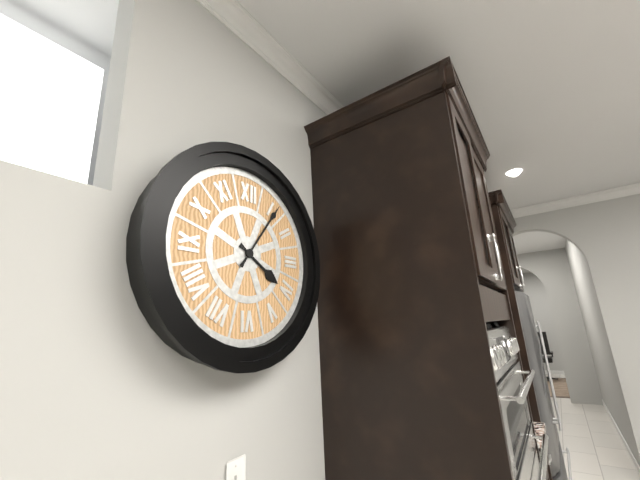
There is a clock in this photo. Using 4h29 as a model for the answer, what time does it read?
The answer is 4h06
